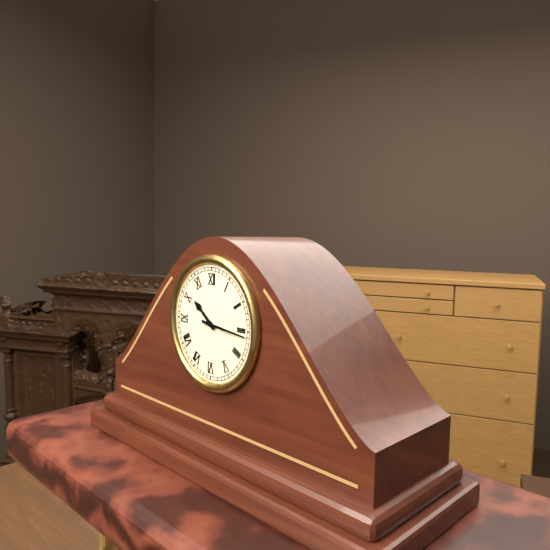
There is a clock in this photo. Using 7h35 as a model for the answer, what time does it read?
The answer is 10h16
